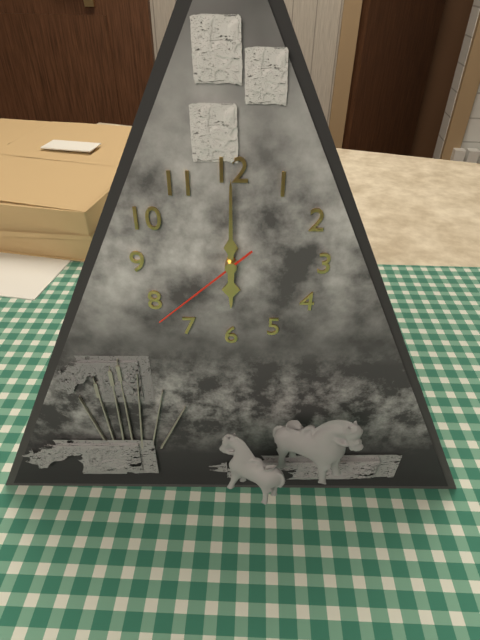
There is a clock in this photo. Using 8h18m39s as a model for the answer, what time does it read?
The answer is 6h00m38s
